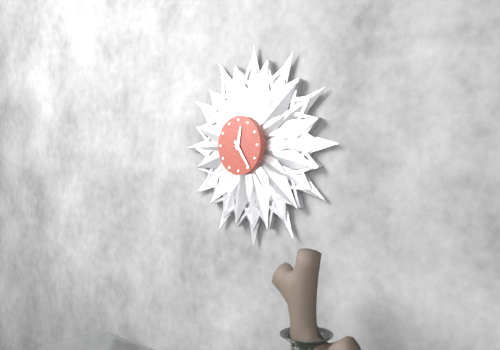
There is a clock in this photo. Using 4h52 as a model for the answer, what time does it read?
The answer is 12h24
